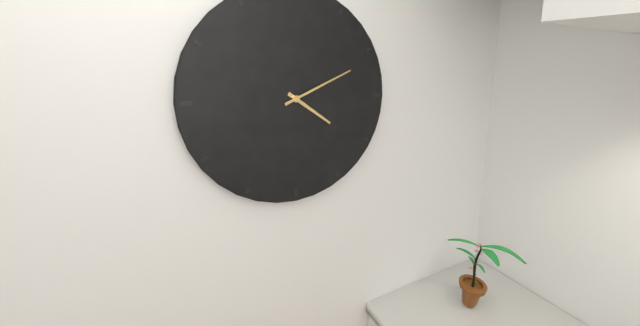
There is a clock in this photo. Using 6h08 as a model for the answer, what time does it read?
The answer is 4h11
